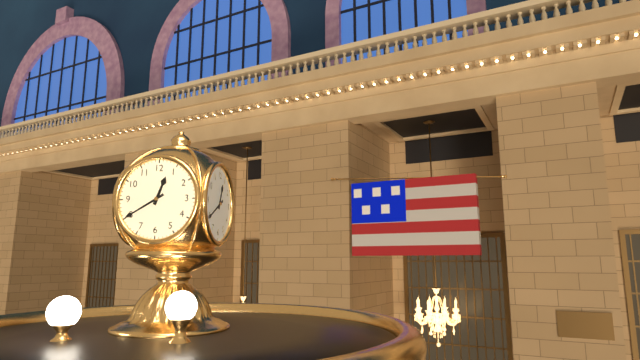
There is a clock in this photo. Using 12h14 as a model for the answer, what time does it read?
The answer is 12h40
